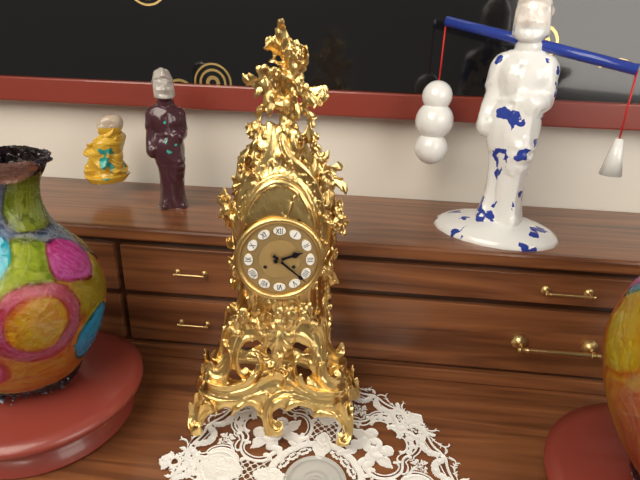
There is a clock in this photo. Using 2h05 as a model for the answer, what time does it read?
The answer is 2h22
